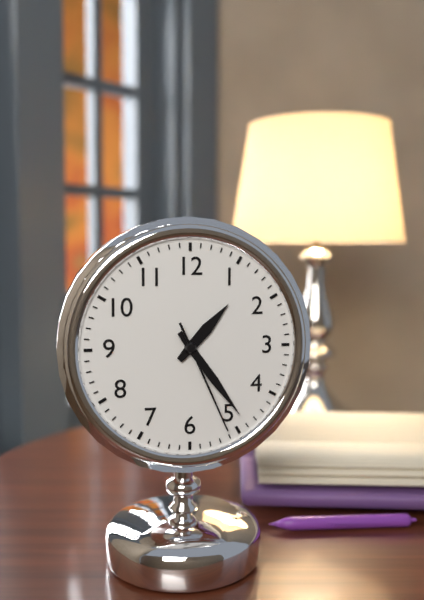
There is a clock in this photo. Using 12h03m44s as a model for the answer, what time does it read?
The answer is 1h24m26s
